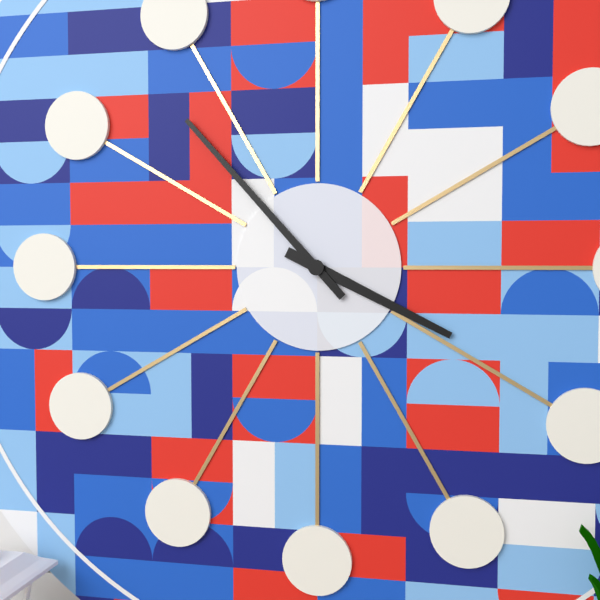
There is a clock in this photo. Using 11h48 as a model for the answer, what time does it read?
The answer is 3h53
